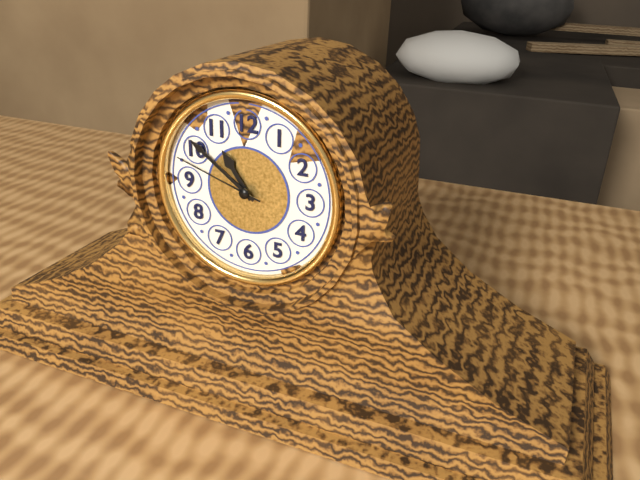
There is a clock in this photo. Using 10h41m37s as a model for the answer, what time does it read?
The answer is 10h51m48s
